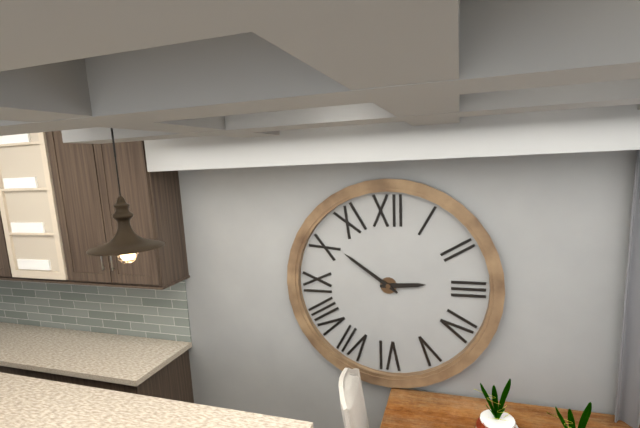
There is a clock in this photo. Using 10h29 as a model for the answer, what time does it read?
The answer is 2h51
